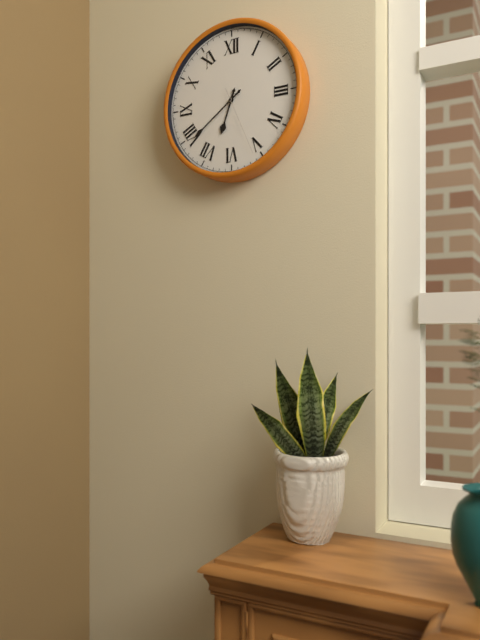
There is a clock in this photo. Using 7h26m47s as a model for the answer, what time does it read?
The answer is 6h39m26s
